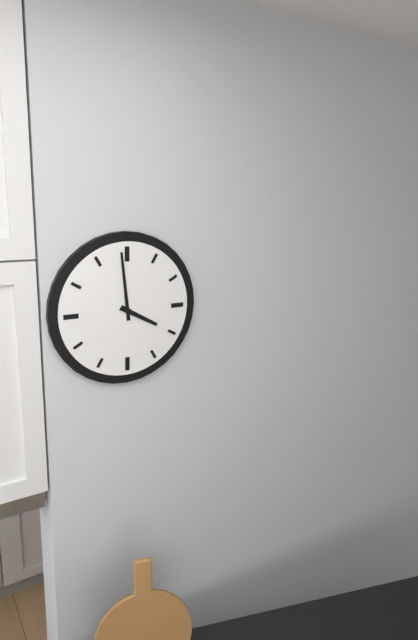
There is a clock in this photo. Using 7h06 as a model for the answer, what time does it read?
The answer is 3h59
